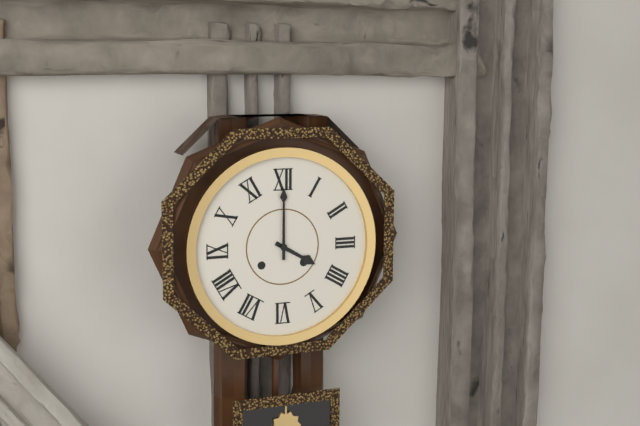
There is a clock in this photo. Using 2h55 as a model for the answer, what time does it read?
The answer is 4h00
